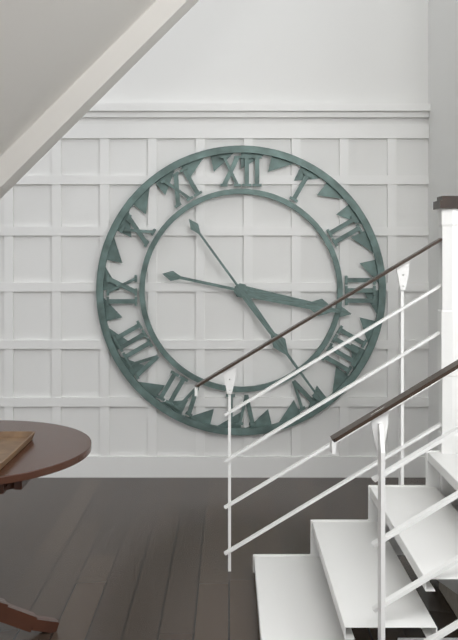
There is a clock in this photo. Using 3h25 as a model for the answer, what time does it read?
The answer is 3h24
